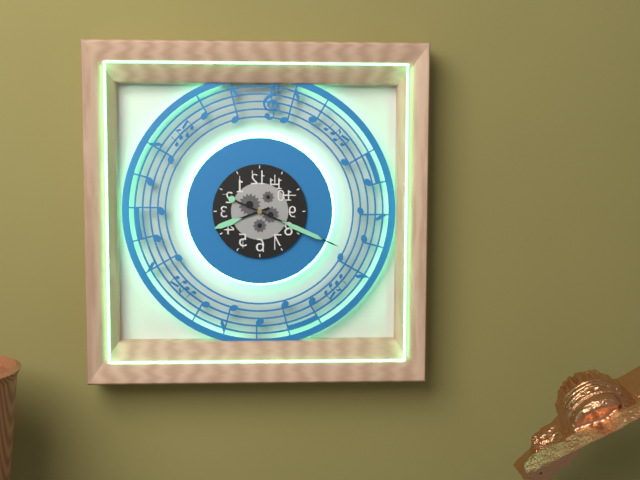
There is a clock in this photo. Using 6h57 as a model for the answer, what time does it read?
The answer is 8h19
